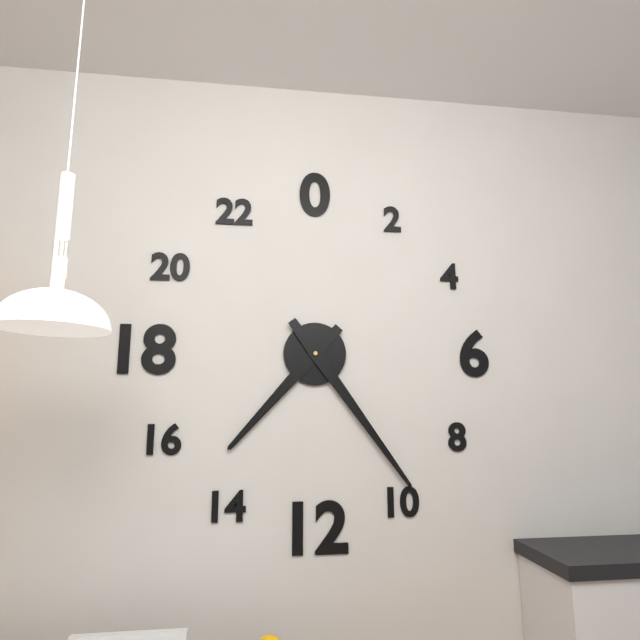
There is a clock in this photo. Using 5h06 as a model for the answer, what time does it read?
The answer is 7h24
